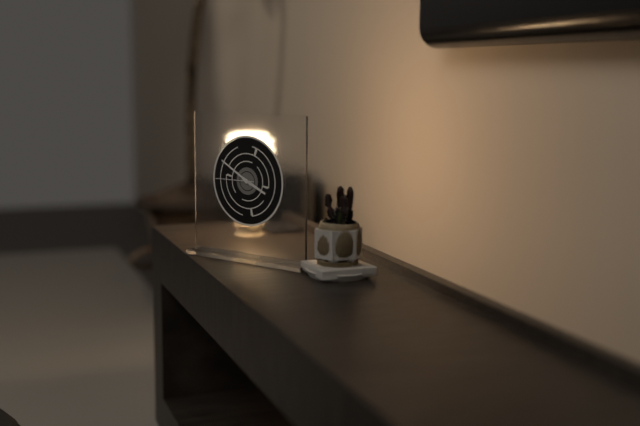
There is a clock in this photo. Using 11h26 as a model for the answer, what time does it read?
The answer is 3h50
